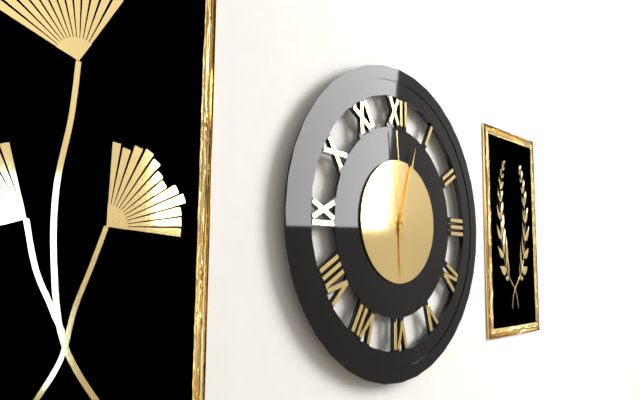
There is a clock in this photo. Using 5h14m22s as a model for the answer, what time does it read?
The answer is 6h03m59s
